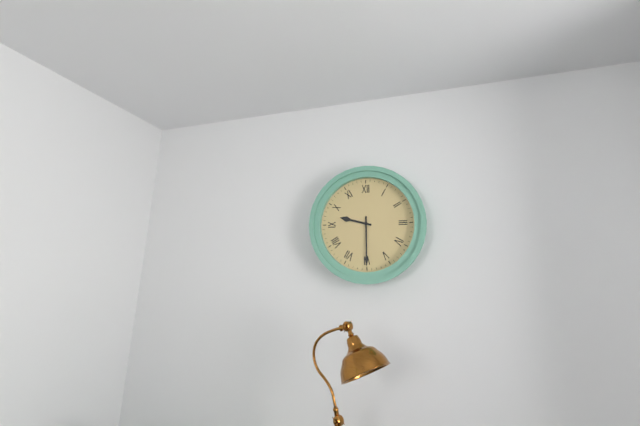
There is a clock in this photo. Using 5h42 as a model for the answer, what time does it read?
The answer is 9h30
